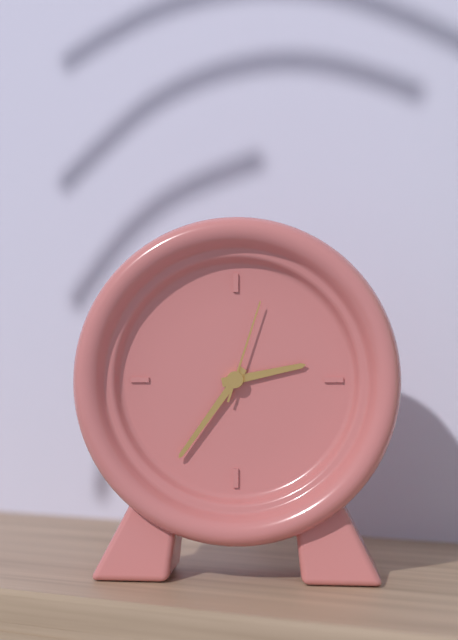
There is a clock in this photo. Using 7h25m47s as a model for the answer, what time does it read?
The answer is 2h36m03s
